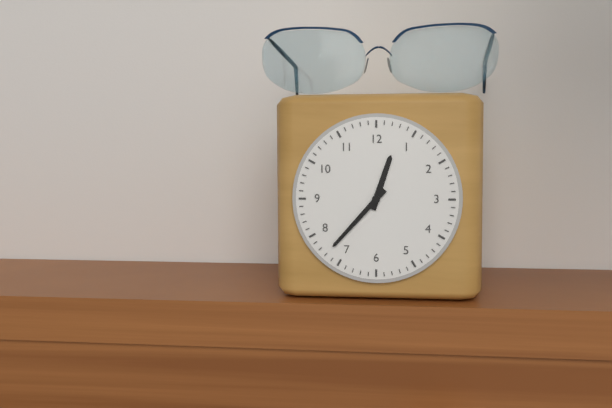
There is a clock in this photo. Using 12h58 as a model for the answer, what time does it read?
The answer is 12h37
